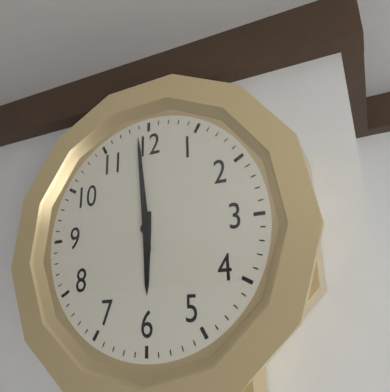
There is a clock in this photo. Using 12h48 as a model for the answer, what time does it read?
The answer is 5h59
